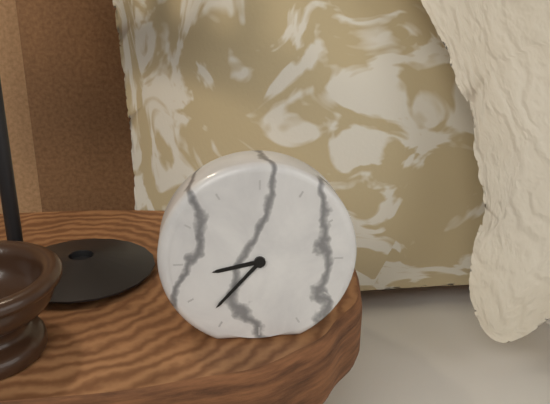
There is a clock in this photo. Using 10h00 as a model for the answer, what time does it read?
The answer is 8h37
